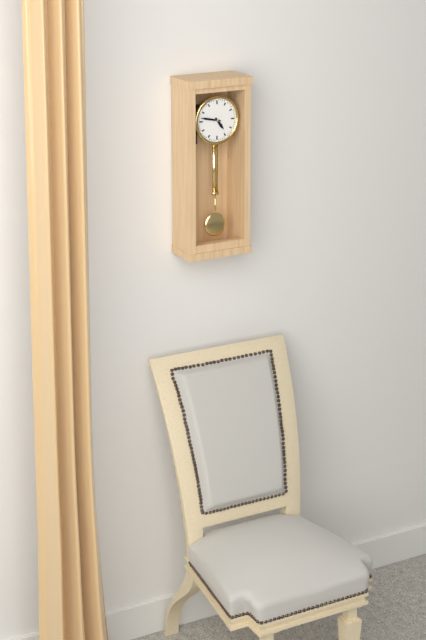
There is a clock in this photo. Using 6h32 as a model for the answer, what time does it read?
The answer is 4h47
